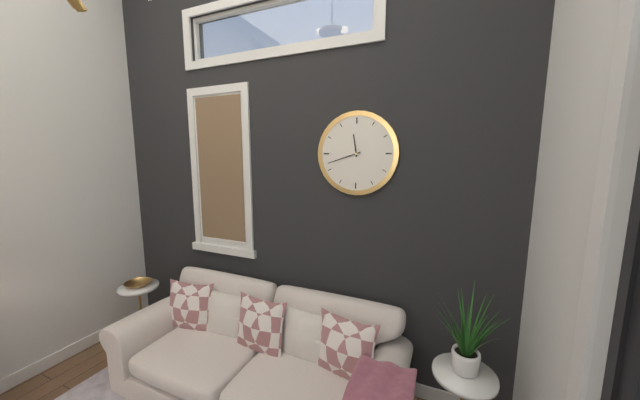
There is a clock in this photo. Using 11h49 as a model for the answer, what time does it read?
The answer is 11h42
